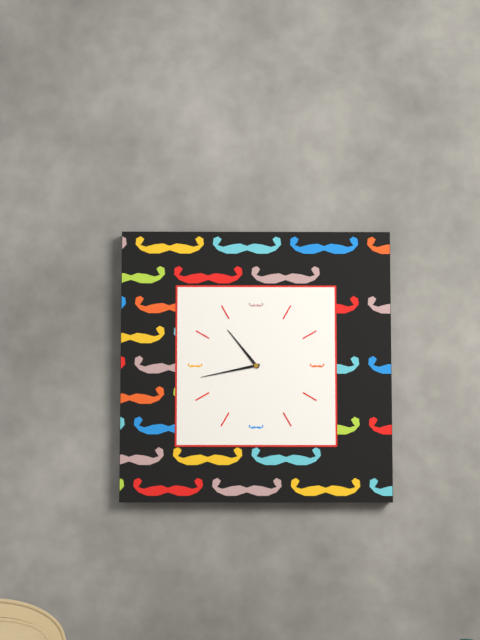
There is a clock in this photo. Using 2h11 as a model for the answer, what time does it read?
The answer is 10h43
